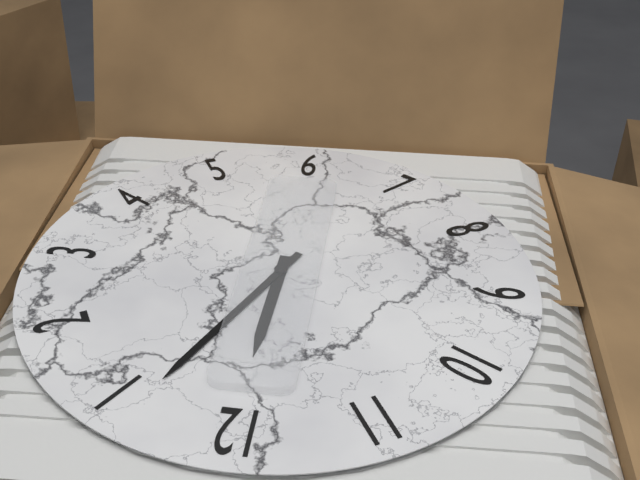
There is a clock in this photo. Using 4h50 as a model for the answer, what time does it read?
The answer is 12h04
